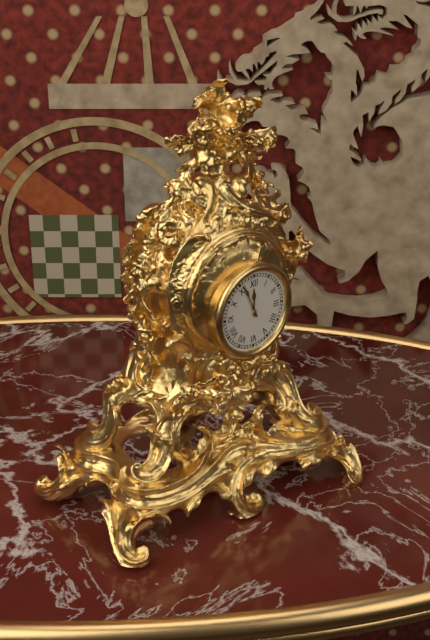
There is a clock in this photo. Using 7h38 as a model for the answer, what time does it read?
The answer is 11h56
